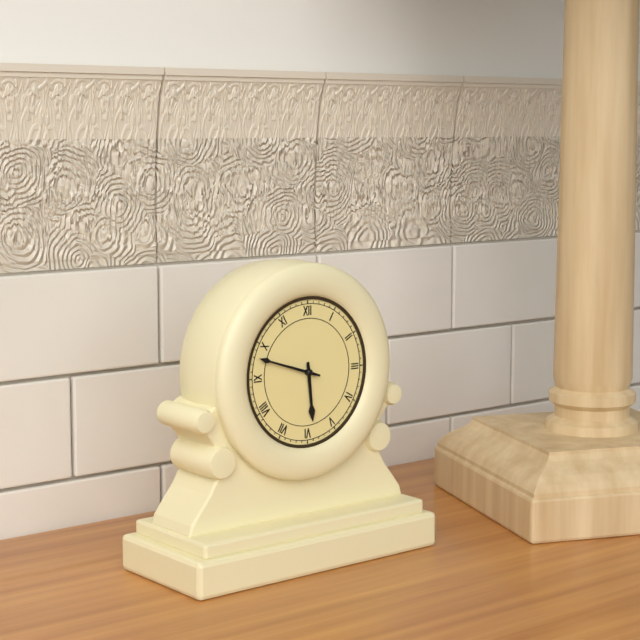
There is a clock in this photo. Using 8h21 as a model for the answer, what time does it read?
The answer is 5h48
